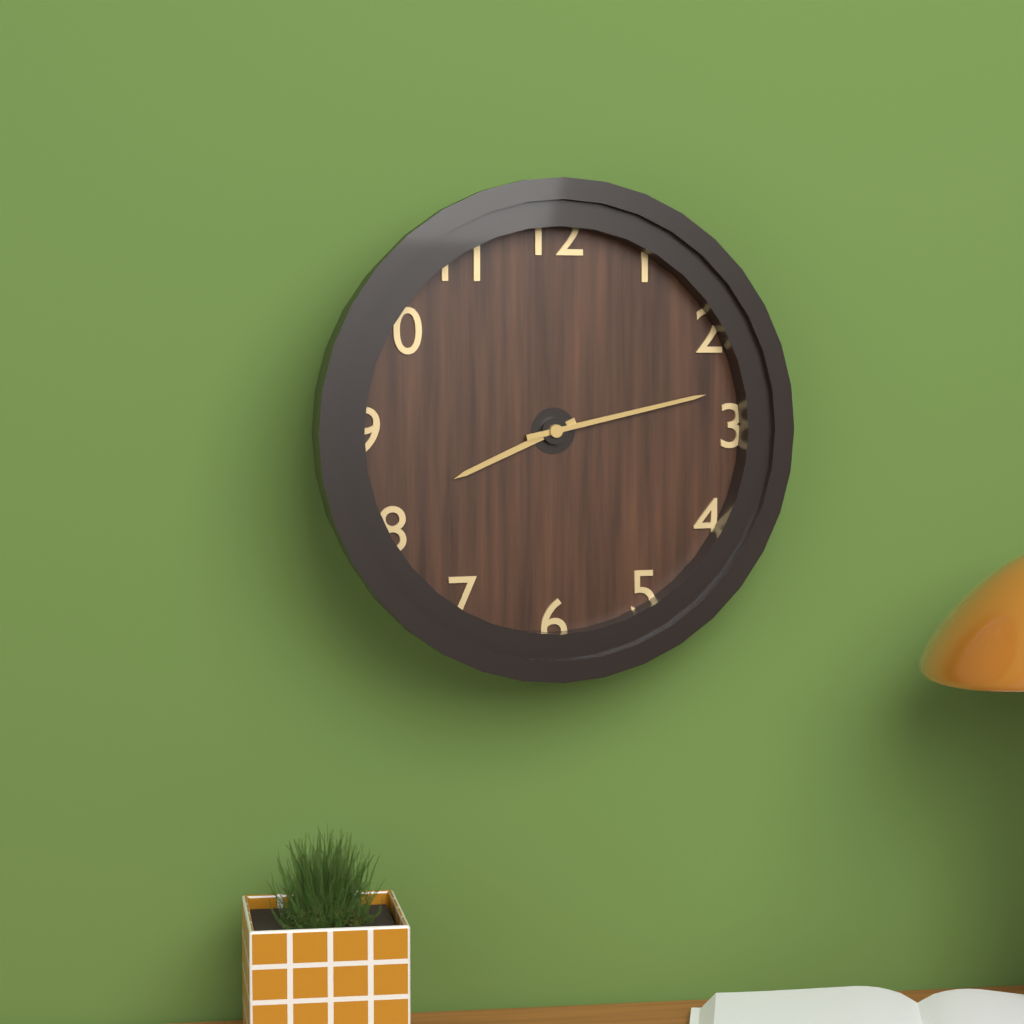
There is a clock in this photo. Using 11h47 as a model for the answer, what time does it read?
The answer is 8h13
